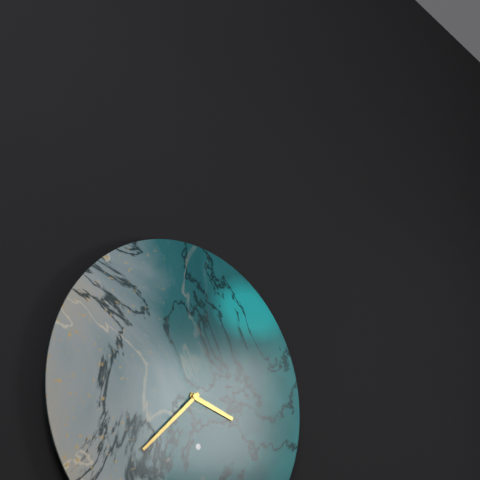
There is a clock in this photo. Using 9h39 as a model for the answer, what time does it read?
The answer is 3h38
